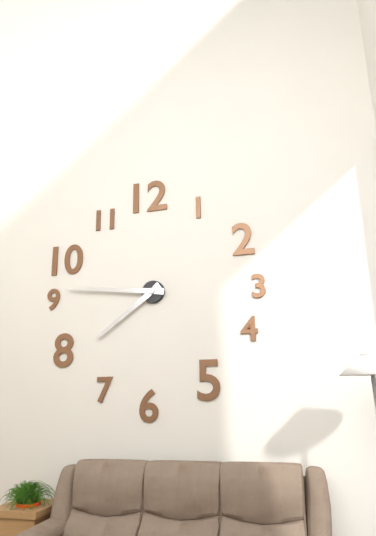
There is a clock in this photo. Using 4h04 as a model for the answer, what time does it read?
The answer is 7h46
